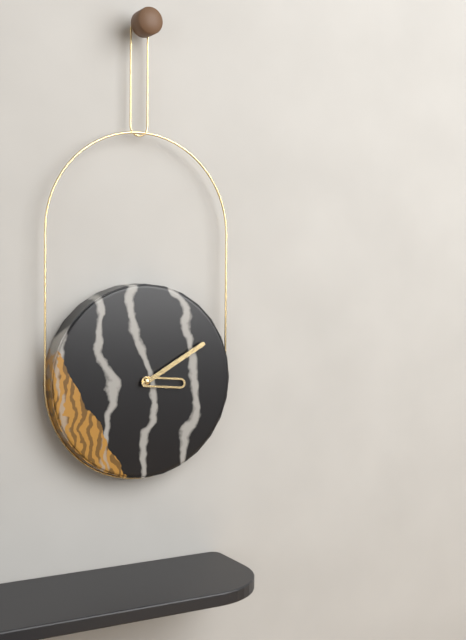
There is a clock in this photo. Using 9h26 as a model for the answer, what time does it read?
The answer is 3h10
